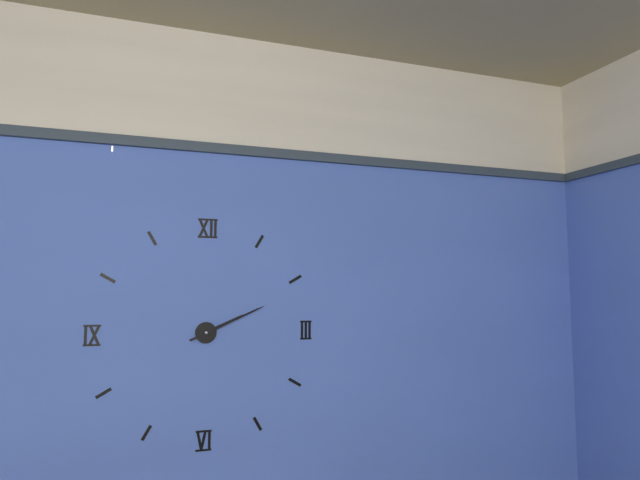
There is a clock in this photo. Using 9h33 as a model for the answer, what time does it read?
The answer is 2h11
